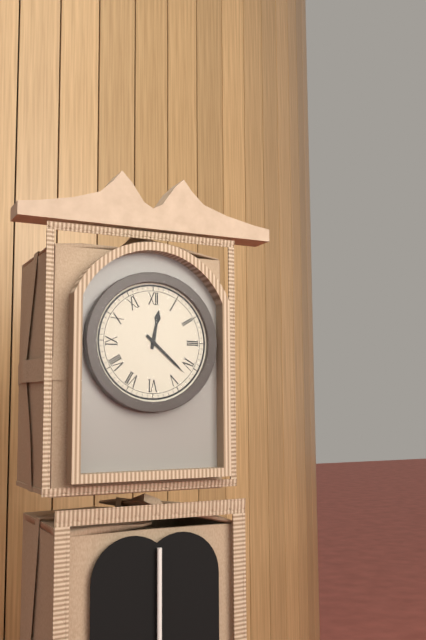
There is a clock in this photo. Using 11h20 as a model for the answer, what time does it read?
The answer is 12h22
